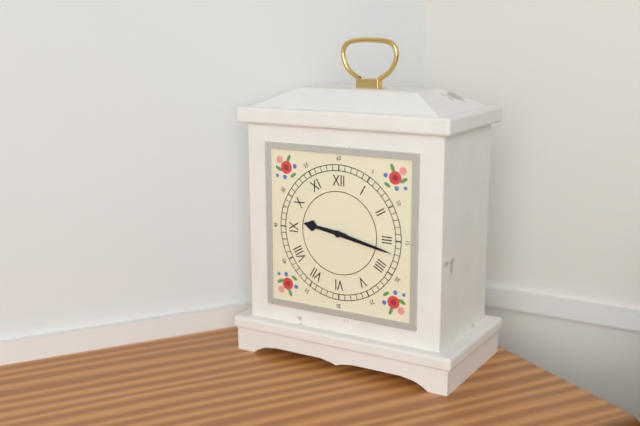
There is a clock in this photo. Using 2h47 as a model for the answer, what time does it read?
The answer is 9h17
